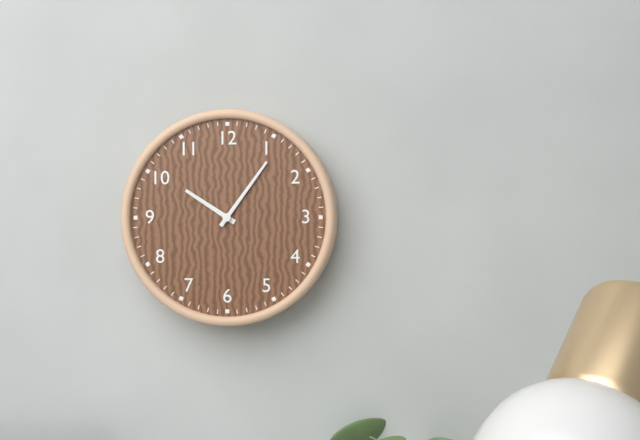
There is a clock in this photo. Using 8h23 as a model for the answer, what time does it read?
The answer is 10h06
